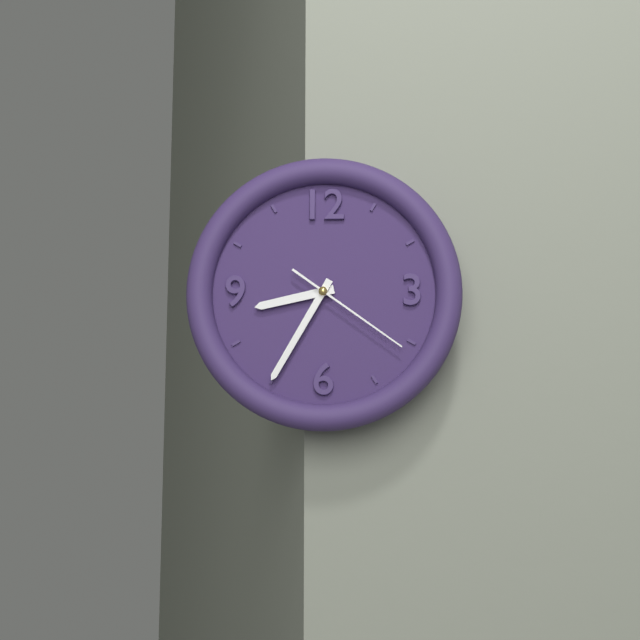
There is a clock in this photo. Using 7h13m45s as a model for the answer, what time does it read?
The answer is 8h35m21s
